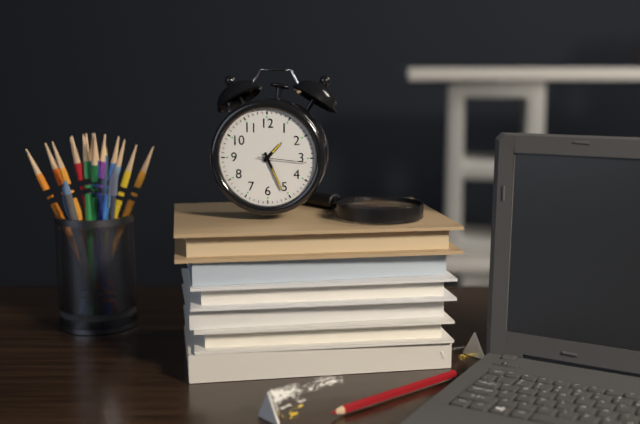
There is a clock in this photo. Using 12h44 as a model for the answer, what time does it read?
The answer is 1h26
